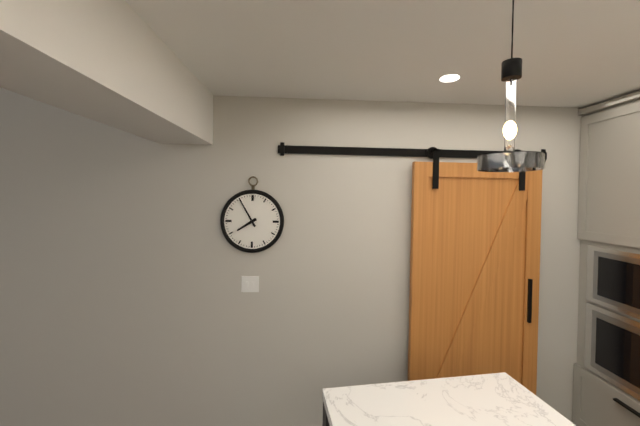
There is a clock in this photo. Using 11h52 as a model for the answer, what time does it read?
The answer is 7h55
